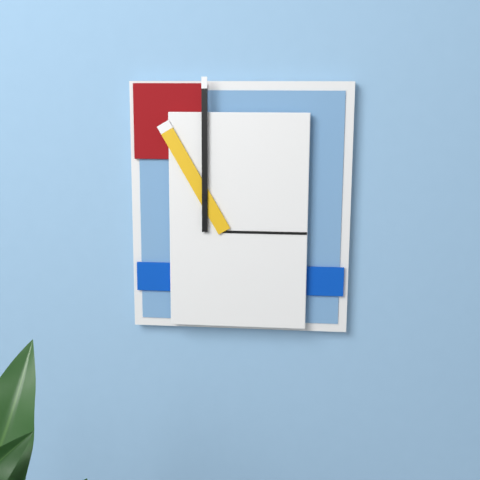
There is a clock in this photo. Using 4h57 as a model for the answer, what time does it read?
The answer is 11h00
